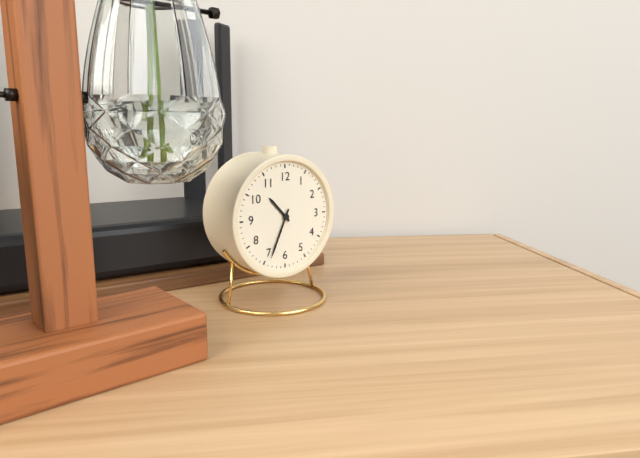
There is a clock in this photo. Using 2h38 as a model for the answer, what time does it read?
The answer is 10h34
